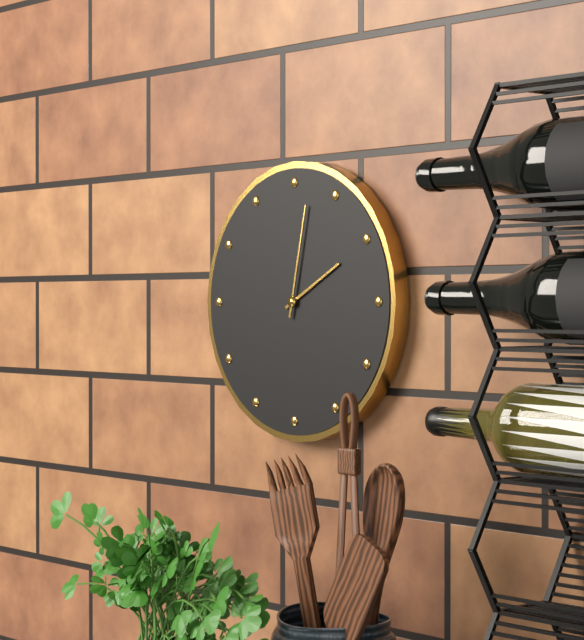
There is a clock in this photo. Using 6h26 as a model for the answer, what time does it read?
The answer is 2h02
